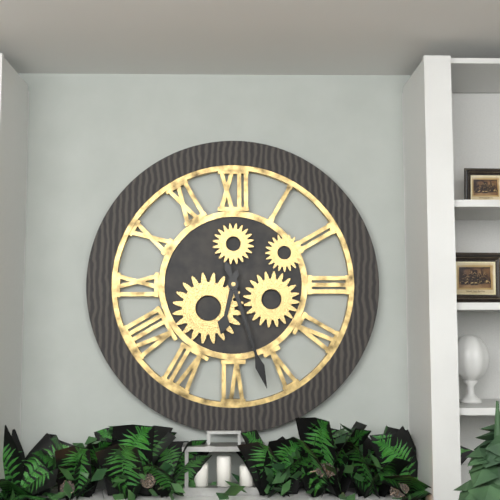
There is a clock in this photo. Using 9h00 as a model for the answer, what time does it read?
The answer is 6h27
